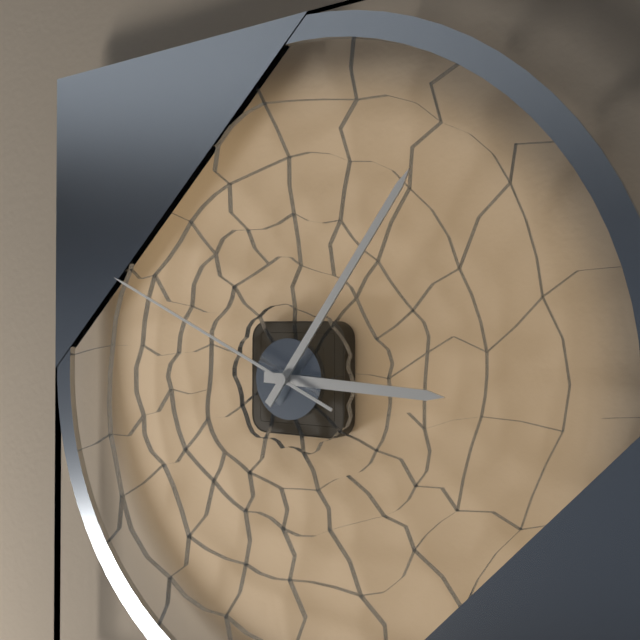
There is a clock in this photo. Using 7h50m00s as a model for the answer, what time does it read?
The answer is 3h06m49s
